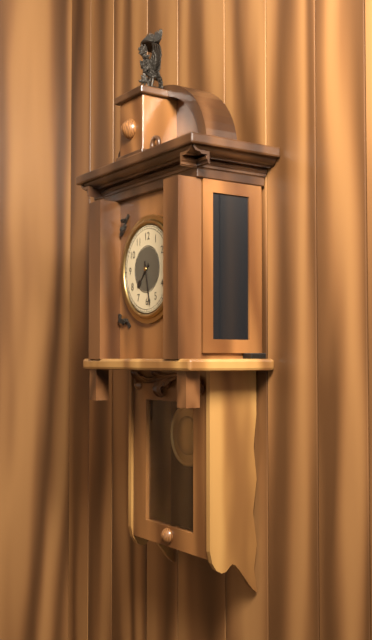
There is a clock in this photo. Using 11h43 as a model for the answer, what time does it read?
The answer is 7h28
